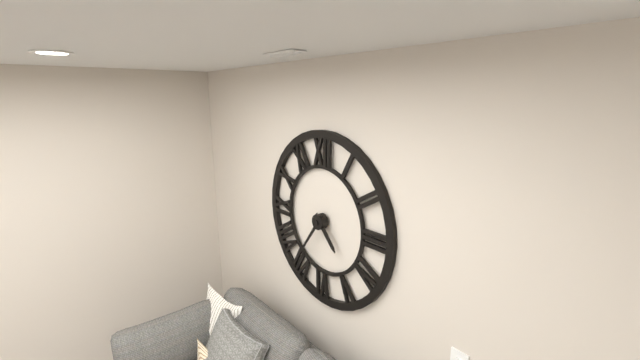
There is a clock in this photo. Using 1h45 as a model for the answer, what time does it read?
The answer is 4h36
